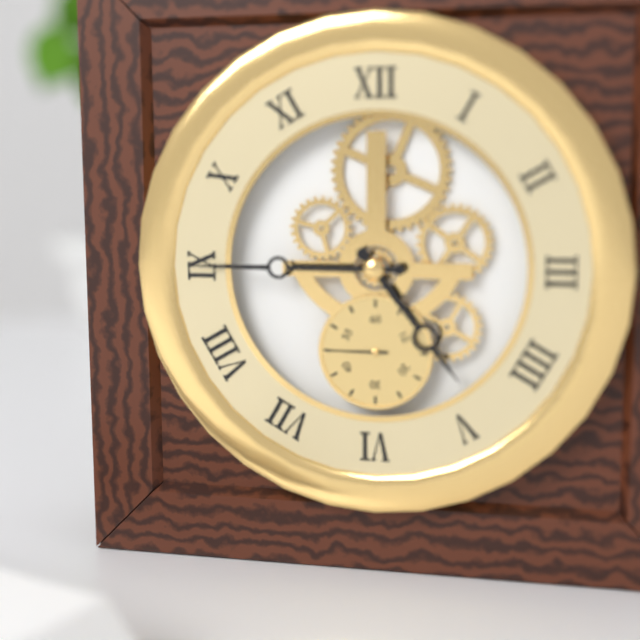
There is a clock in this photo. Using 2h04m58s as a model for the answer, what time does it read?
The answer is 4h45m45s
